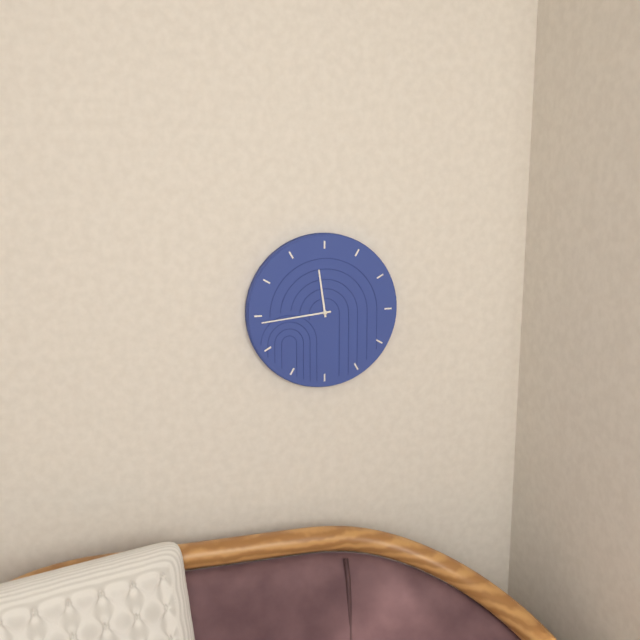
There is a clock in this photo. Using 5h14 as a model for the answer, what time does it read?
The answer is 11h44
